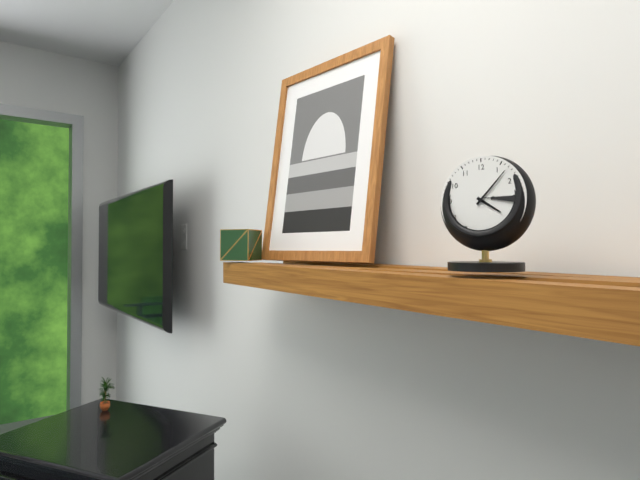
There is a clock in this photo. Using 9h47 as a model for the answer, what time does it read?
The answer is 4h07
